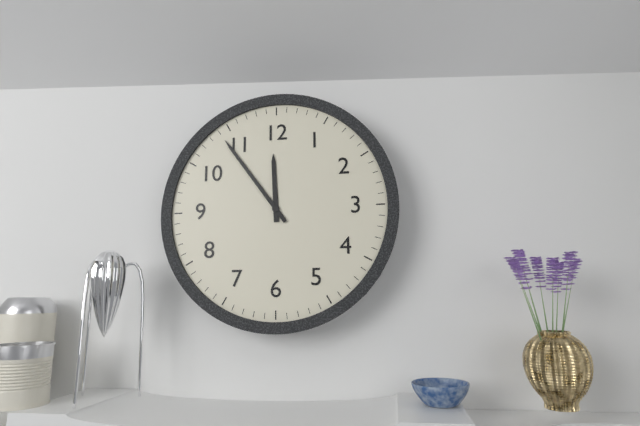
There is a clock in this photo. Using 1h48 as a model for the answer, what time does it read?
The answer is 11h54
